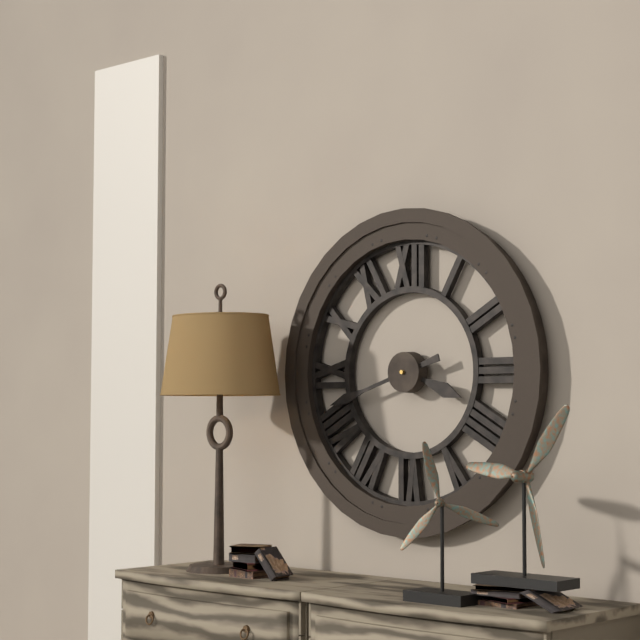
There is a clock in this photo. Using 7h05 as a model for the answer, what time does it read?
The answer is 3h42
